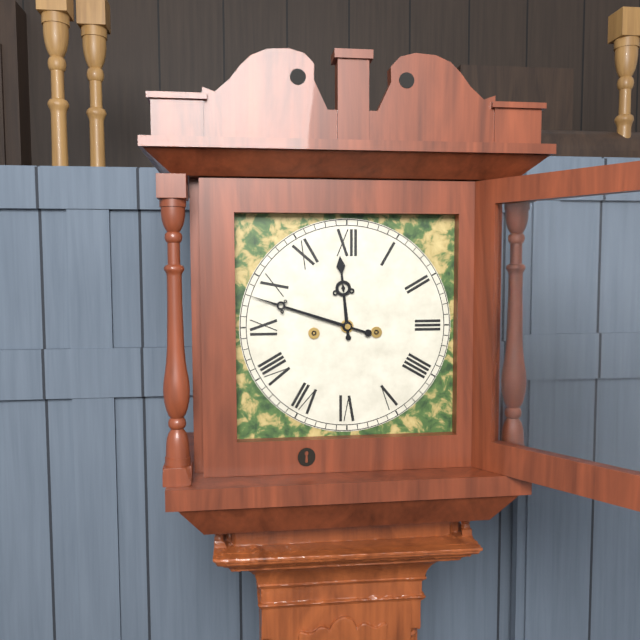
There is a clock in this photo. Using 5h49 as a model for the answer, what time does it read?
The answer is 11h48
